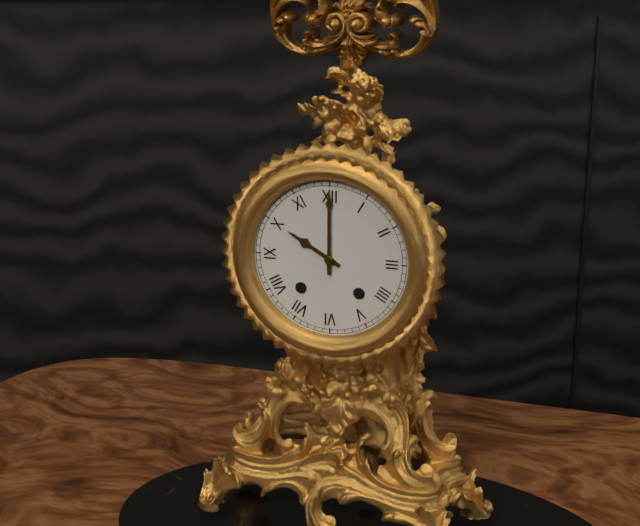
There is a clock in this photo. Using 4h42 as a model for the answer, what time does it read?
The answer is 10h00
